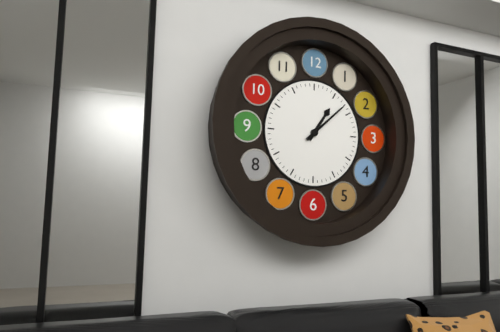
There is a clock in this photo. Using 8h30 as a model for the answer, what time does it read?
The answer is 1h08
